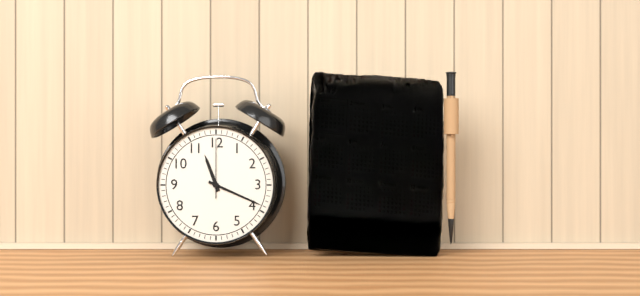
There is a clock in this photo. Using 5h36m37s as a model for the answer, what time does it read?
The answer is 11h19m00s
